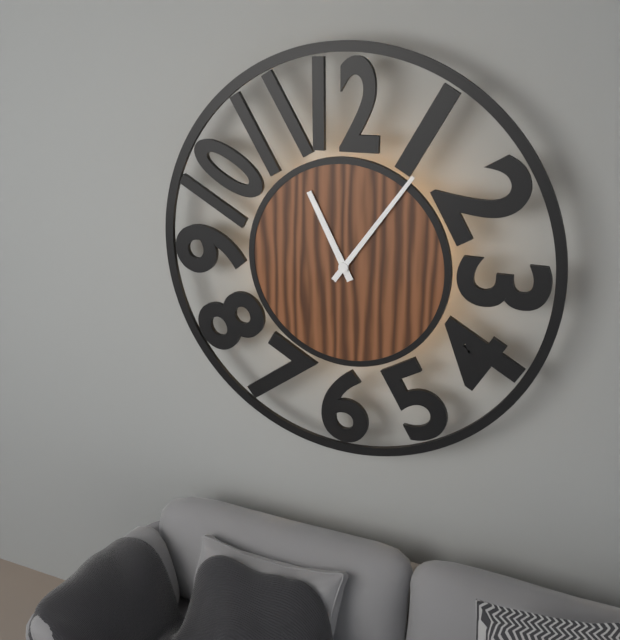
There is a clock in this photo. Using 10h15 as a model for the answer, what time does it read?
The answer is 11h06
